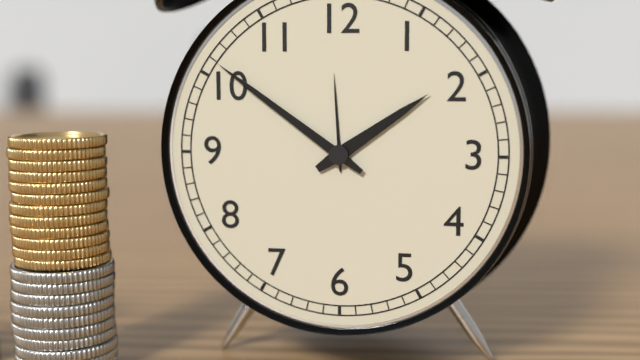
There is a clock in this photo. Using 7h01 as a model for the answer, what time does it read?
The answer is 1h51
